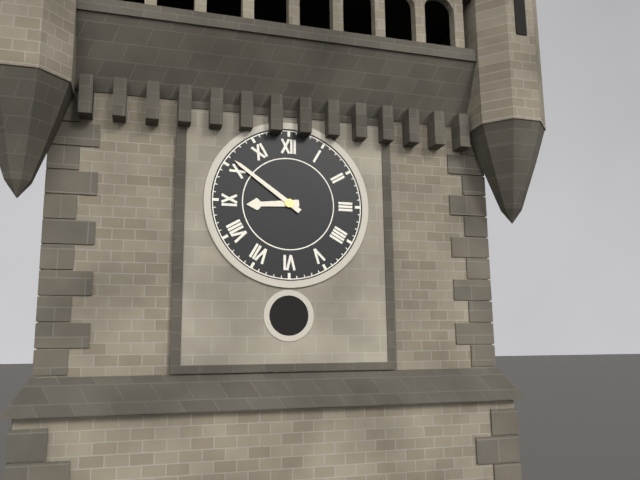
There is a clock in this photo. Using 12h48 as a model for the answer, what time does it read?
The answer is 8h51
